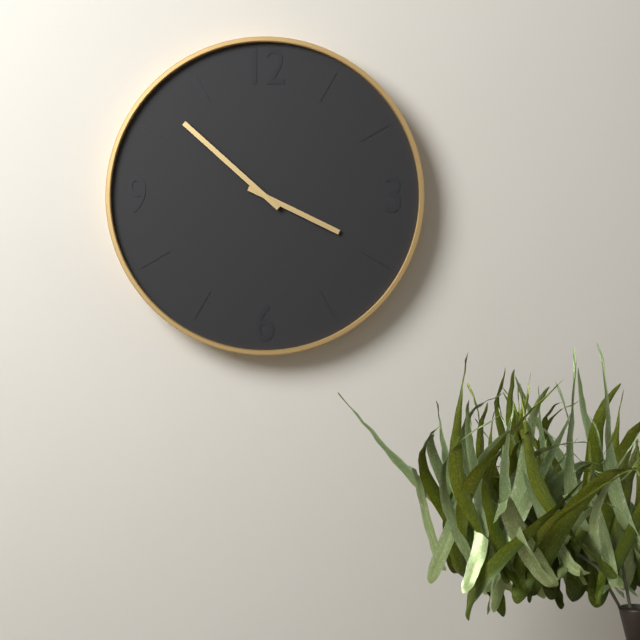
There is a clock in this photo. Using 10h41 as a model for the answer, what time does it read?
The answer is 3h52
